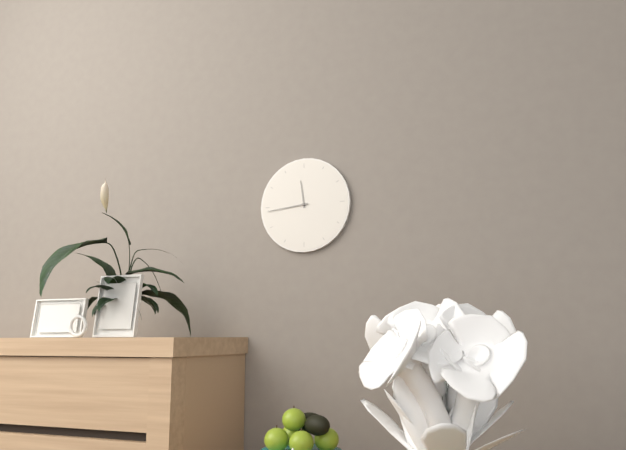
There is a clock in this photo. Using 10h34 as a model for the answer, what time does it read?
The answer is 11h44
